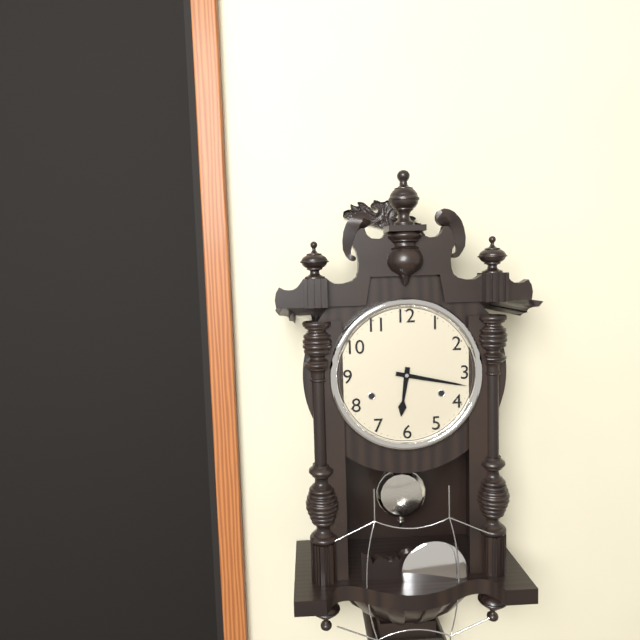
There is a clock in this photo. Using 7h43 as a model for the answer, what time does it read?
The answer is 6h17
